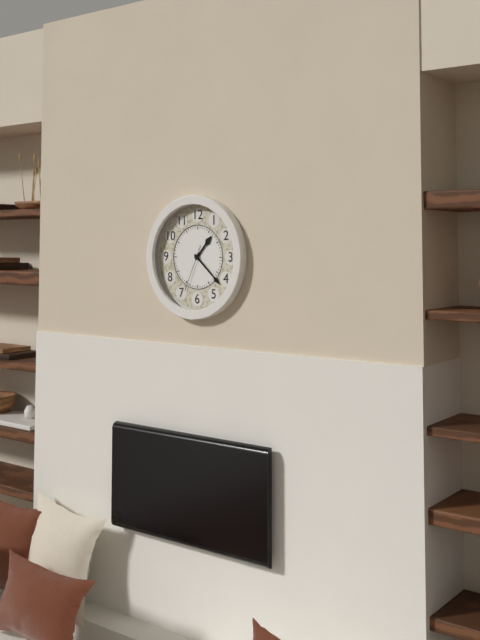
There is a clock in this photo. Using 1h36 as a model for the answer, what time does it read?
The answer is 1h22
